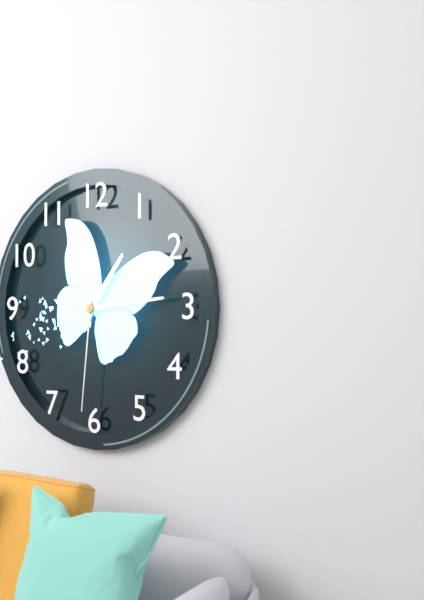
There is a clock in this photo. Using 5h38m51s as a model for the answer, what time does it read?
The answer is 1h14m31s
